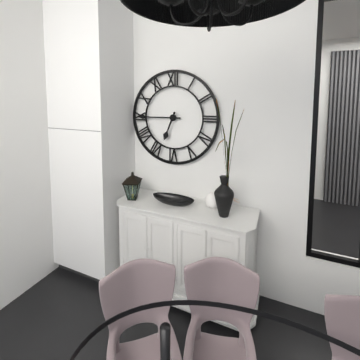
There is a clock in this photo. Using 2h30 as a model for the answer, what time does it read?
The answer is 6h45
